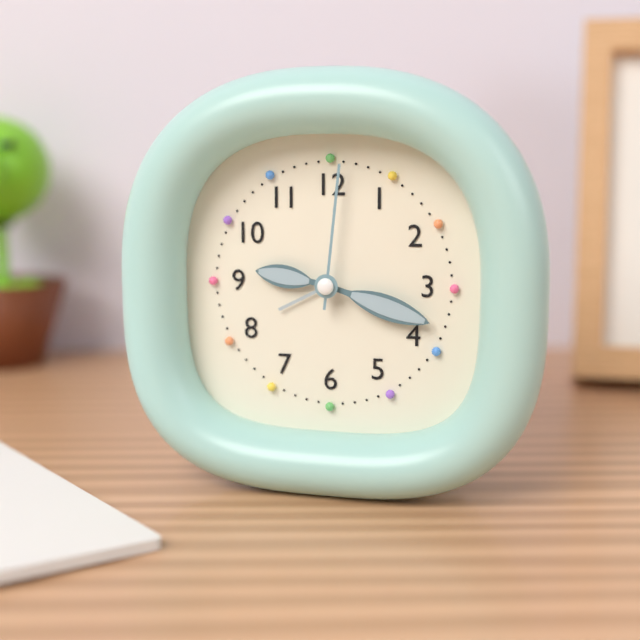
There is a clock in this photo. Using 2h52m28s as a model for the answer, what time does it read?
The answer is 9h18m01s
